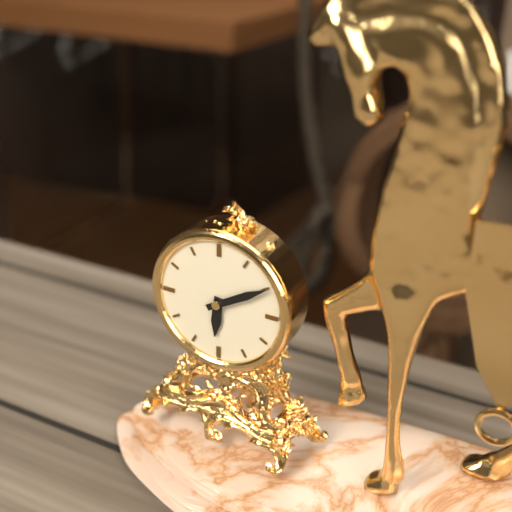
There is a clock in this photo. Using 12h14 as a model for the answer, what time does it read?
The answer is 6h10
